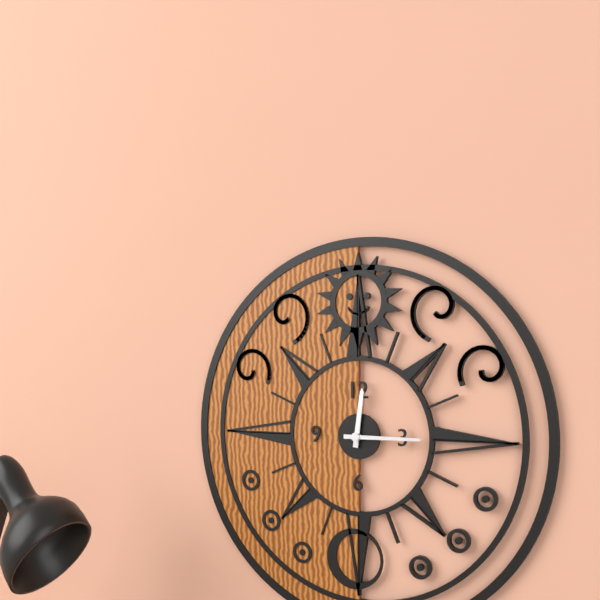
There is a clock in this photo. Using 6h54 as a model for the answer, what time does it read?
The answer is 12h15
